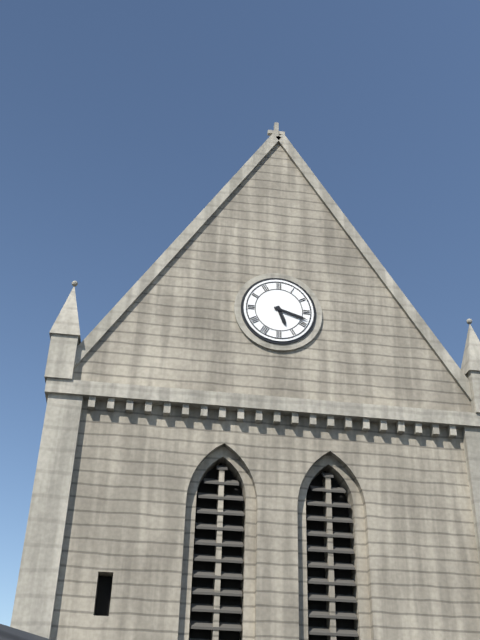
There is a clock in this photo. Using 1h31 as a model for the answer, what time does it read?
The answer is 5h18
